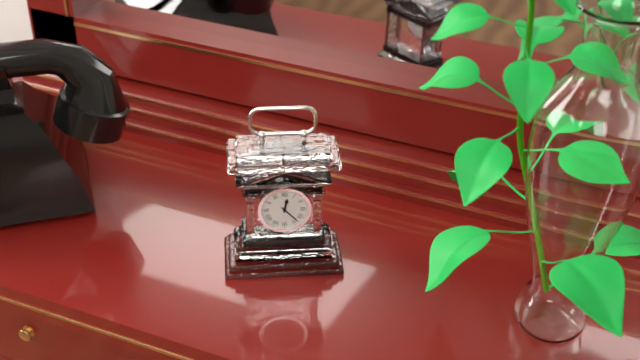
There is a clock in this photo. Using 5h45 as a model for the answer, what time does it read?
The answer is 12h23
